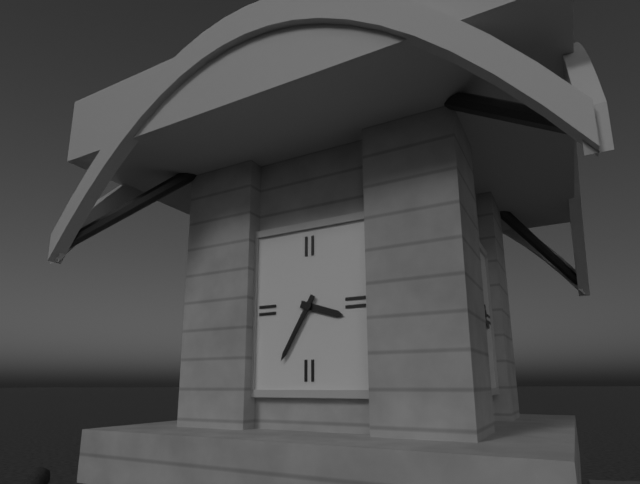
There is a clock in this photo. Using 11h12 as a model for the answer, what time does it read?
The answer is 3h35
